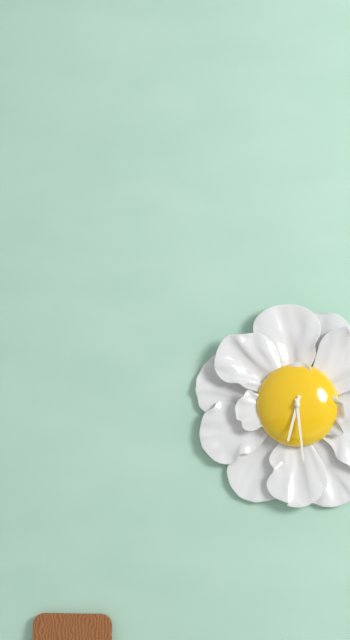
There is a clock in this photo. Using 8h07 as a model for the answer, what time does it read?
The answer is 6h29
